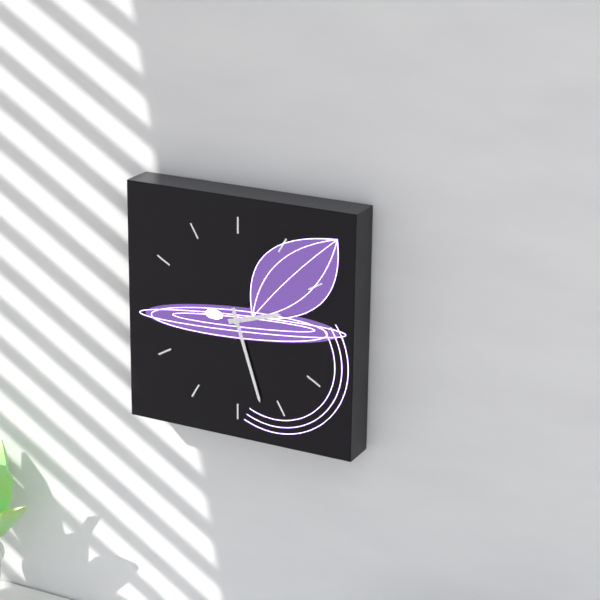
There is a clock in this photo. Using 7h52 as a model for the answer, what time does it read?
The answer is 2h27
